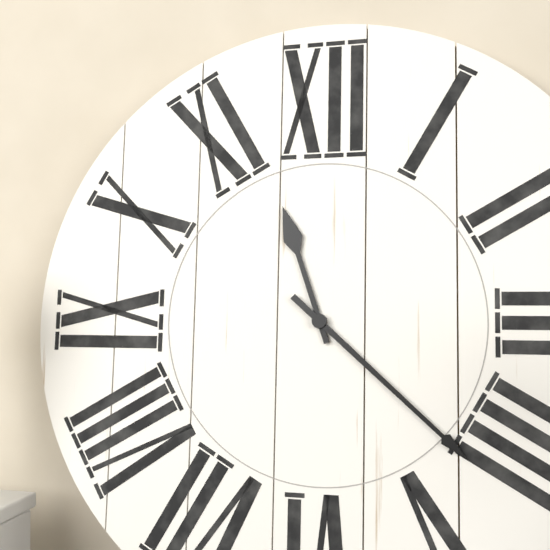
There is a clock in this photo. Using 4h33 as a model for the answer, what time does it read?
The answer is 11h22
